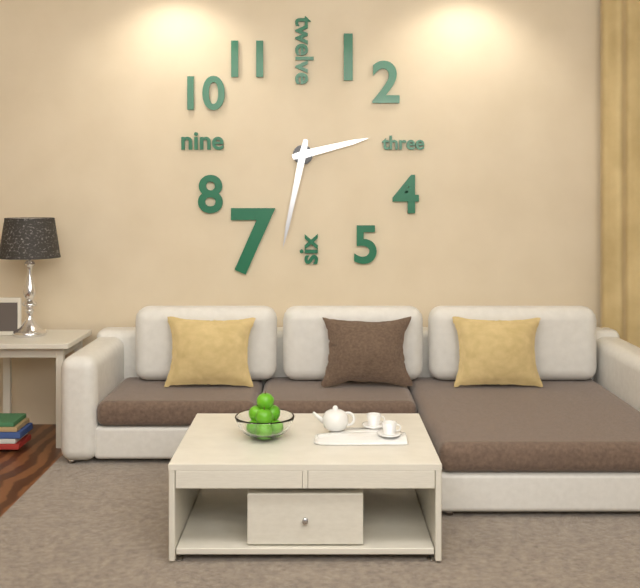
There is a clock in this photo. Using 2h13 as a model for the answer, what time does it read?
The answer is 2h32
